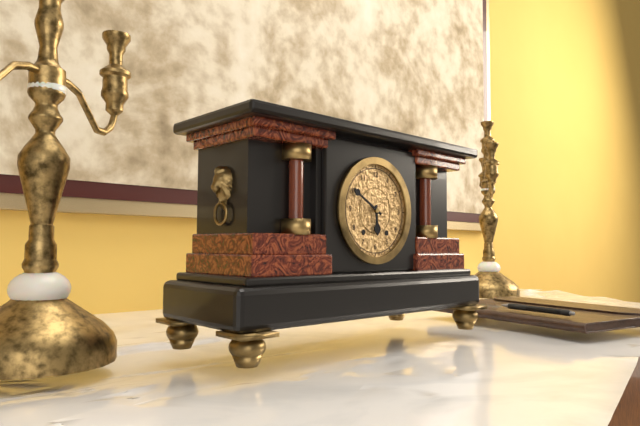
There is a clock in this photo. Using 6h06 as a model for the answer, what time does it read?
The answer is 5h50
